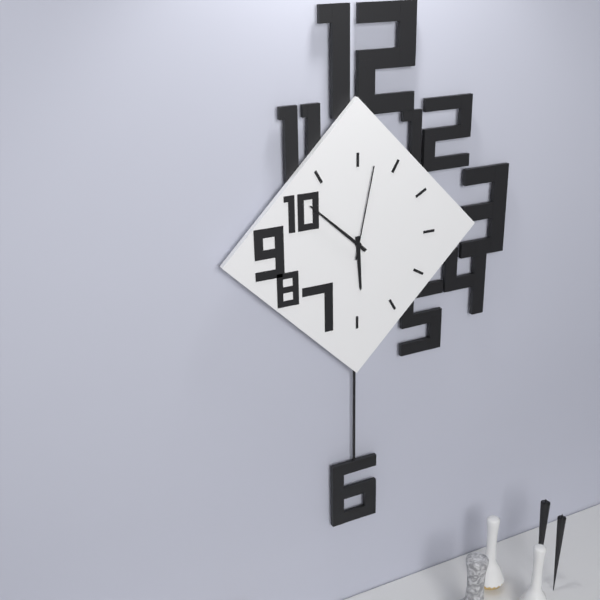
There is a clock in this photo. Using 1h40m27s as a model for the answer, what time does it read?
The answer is 5h52m02s
